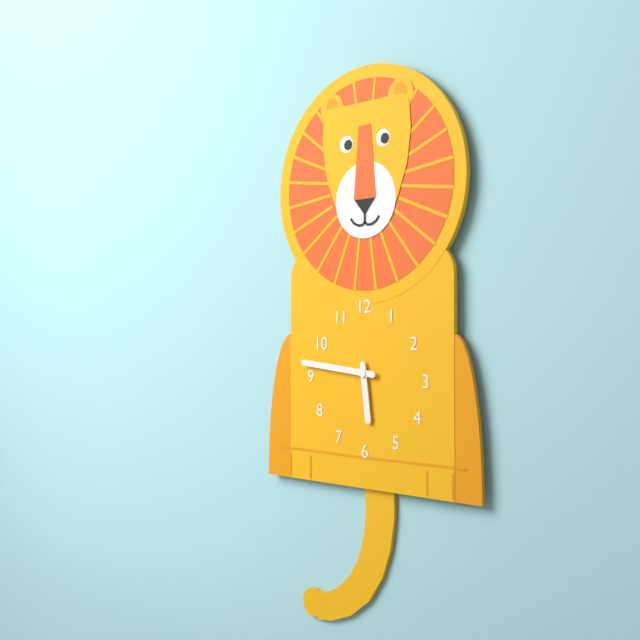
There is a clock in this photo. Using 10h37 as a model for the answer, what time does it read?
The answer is 5h46
